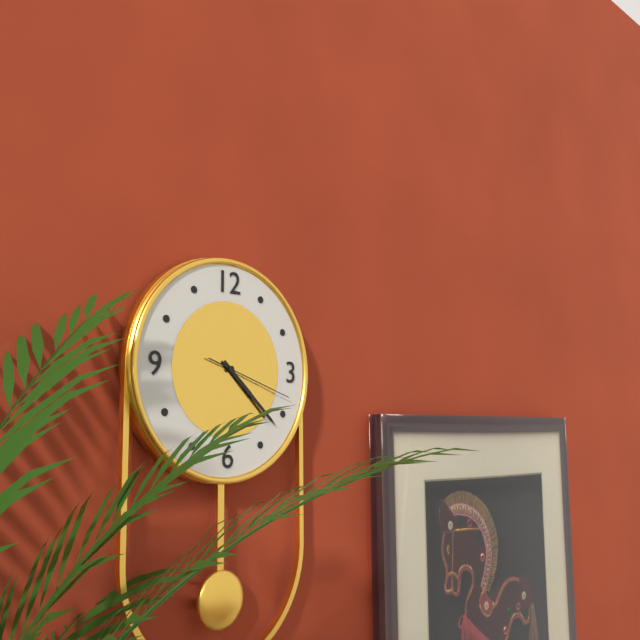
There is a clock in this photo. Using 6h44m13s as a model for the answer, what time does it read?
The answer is 4h22m18s
